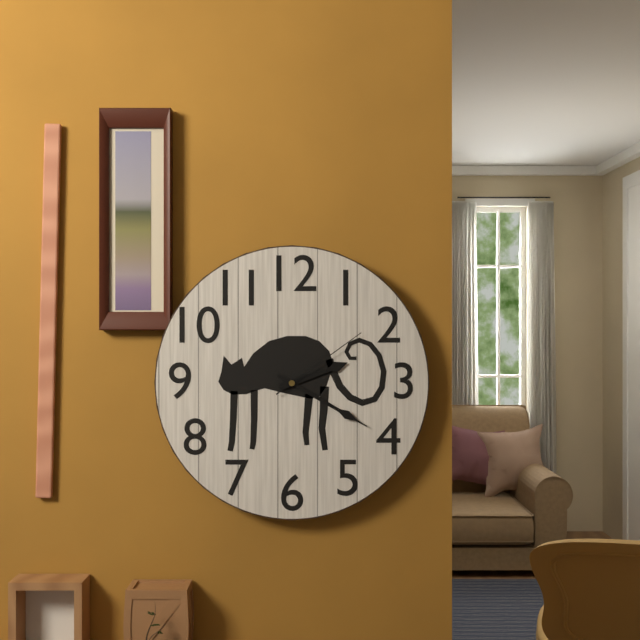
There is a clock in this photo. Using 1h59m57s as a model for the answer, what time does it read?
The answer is 2h20m09s
